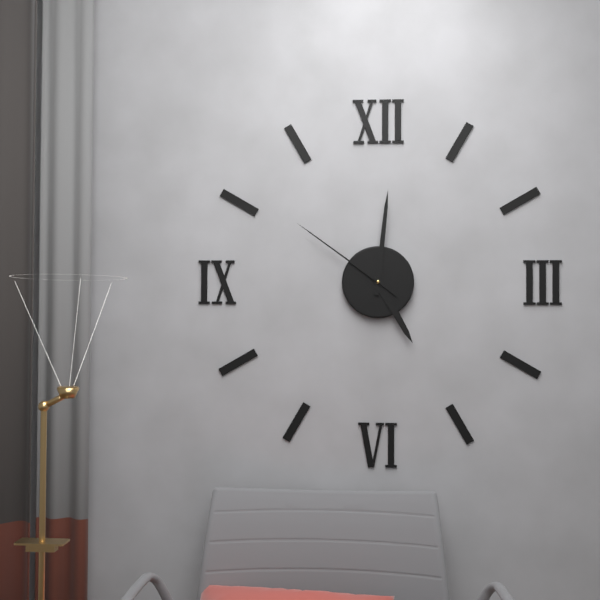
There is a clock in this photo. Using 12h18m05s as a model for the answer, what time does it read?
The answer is 5h01m51s
